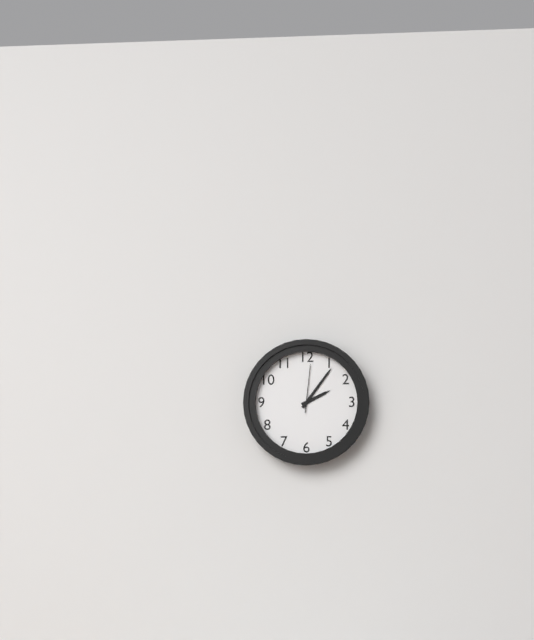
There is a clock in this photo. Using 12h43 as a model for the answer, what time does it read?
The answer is 2h06
